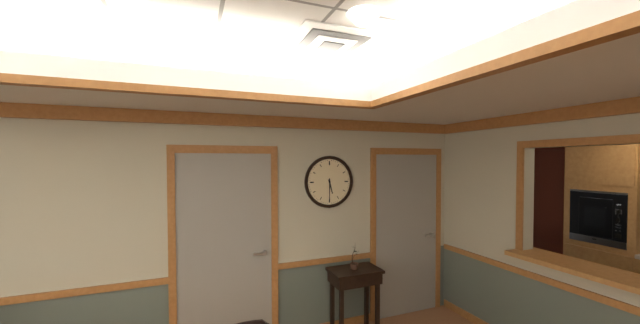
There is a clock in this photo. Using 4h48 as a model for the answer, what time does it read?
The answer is 5h30
